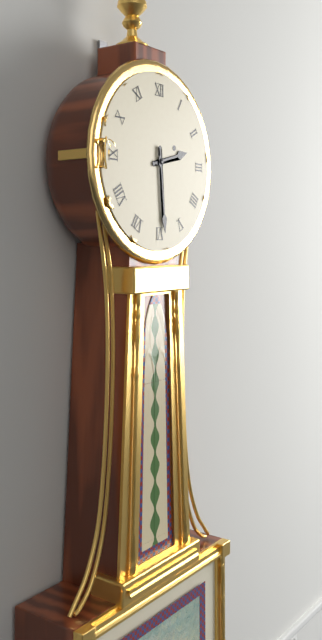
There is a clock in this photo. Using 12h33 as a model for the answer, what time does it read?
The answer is 2h29
